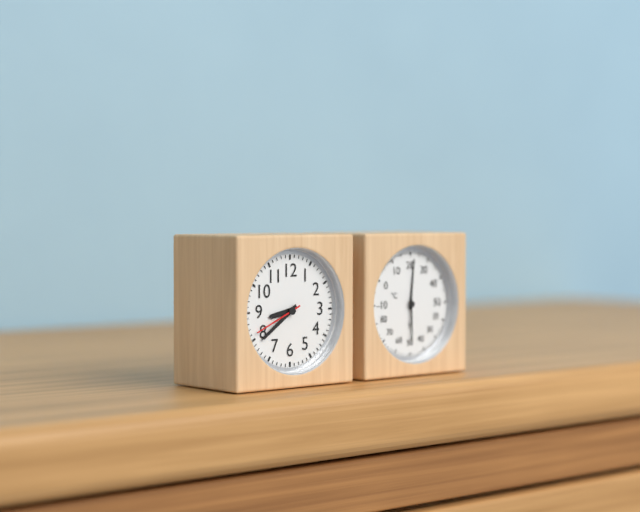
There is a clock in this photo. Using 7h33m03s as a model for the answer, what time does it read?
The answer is 8h39m41s
